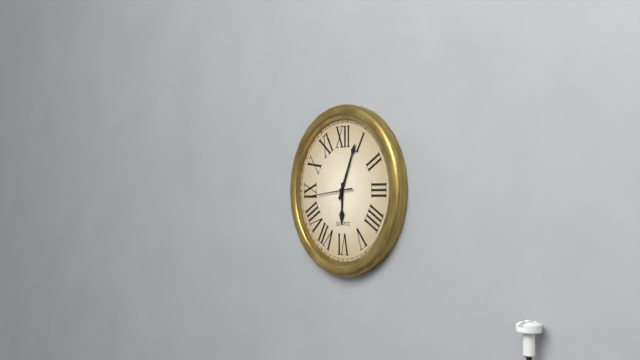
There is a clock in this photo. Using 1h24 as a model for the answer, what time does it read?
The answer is 6h04
